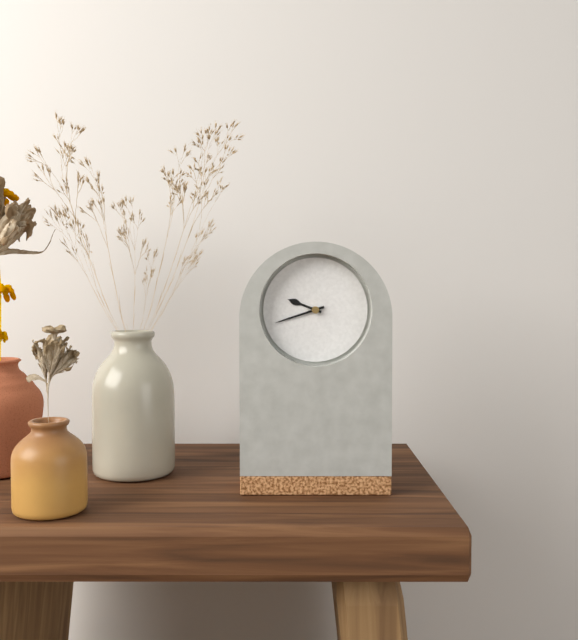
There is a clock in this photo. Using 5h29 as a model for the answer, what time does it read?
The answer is 9h42
